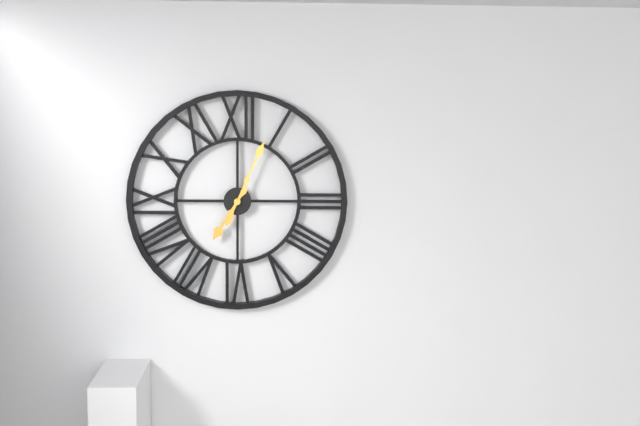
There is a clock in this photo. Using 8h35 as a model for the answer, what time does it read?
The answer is 7h04
